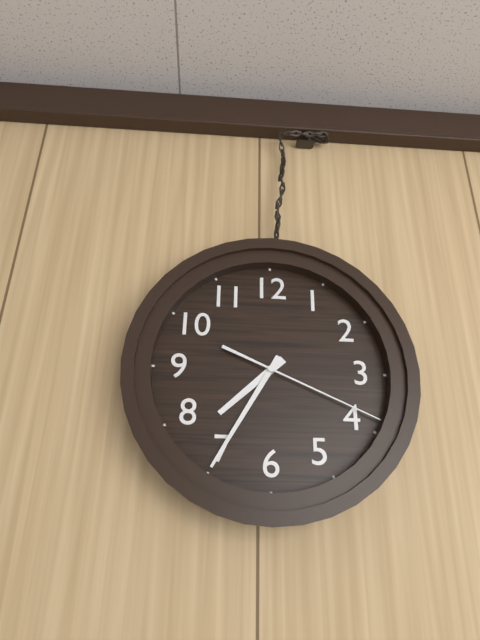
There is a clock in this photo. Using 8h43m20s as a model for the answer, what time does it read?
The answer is 7h35m19s
